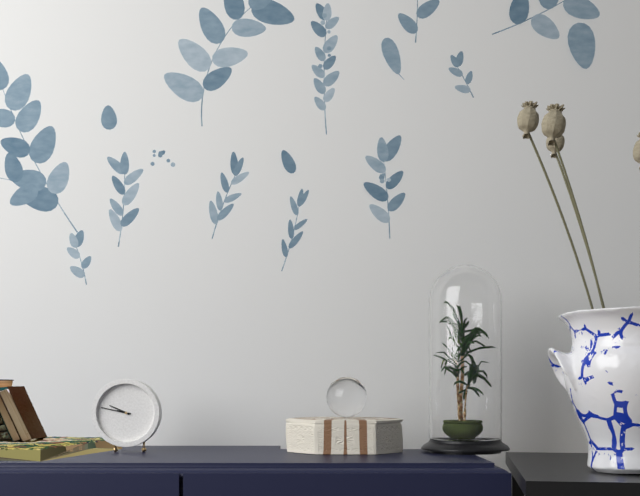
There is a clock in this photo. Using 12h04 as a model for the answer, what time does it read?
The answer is 9h47
